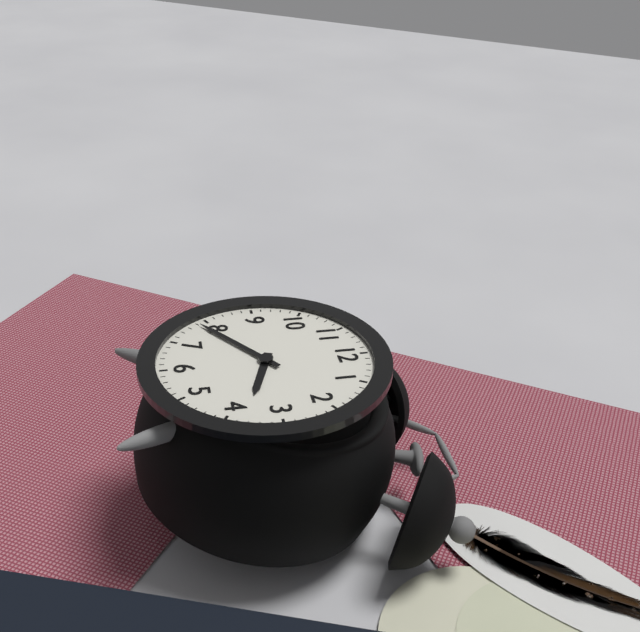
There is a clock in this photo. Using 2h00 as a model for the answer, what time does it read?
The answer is 3h39
